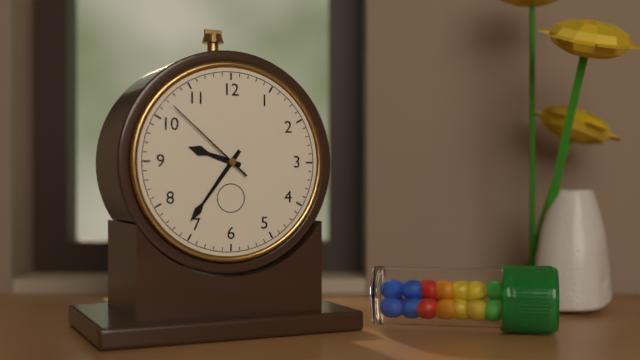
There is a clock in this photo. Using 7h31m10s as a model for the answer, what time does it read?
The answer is 9h36m52s
